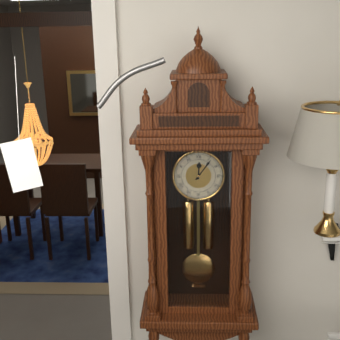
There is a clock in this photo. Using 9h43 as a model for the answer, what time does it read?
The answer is 12h06
